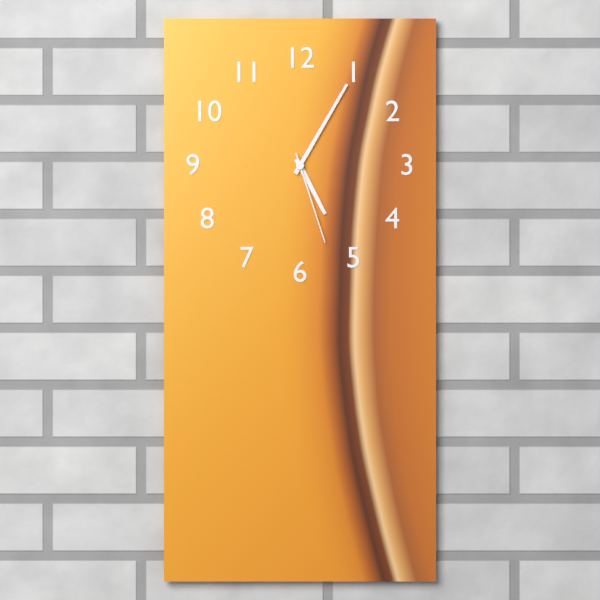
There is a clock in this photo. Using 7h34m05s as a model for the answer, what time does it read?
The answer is 5h05m27s
